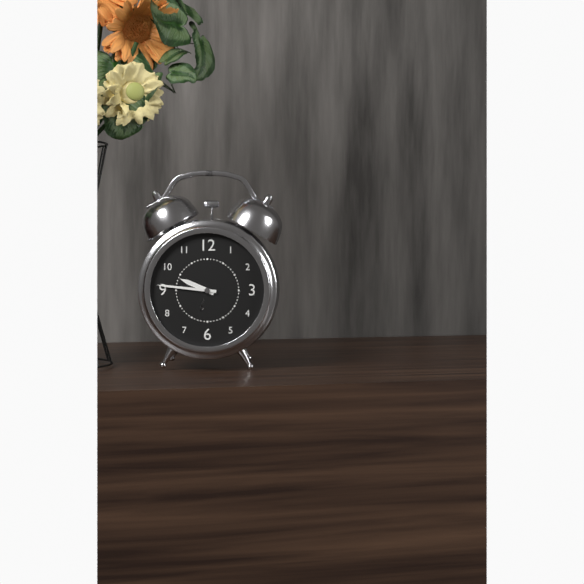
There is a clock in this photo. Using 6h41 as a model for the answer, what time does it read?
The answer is 9h46
